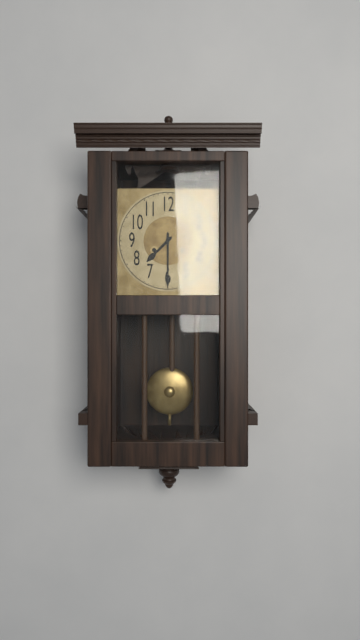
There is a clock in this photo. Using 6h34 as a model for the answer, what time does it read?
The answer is 7h30
